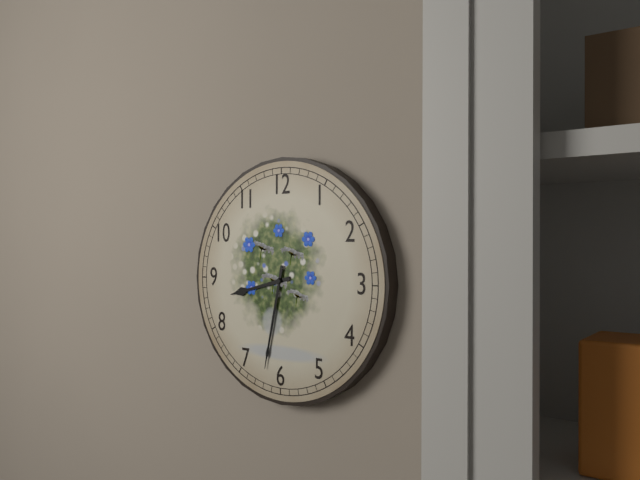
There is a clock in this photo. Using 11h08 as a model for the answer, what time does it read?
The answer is 8h32
